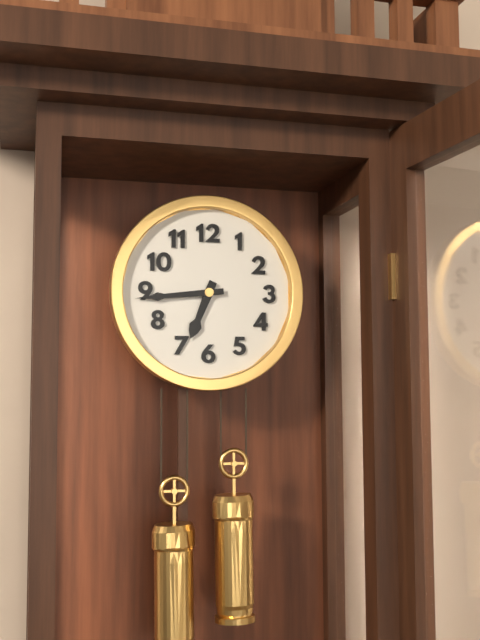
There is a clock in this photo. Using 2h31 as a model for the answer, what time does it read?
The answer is 6h44
